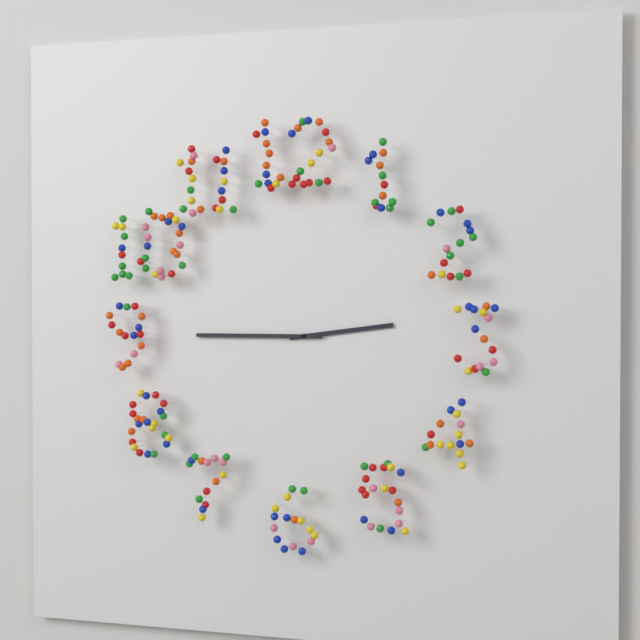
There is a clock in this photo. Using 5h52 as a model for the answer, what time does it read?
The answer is 2h45
